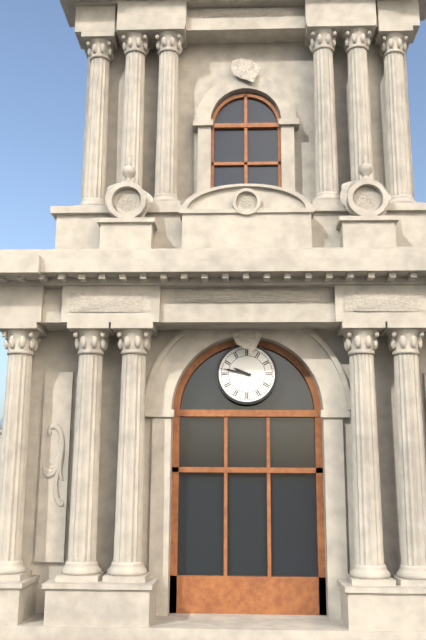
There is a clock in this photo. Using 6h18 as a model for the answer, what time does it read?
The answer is 9h47
